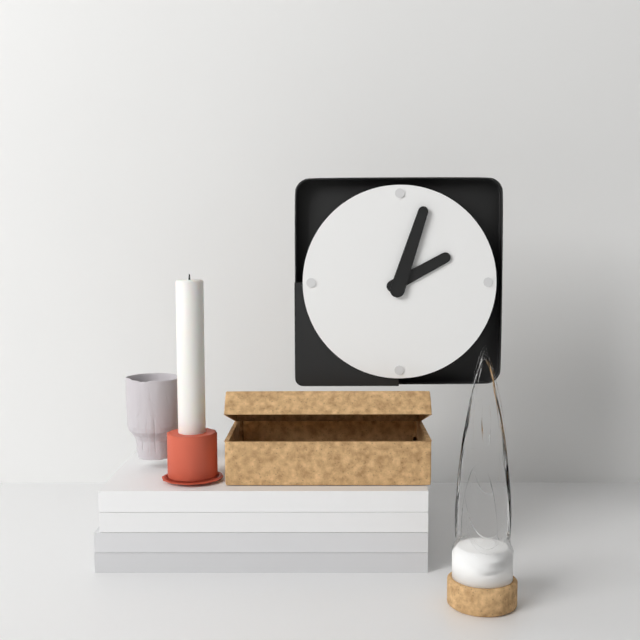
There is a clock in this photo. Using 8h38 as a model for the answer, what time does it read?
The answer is 2h03
